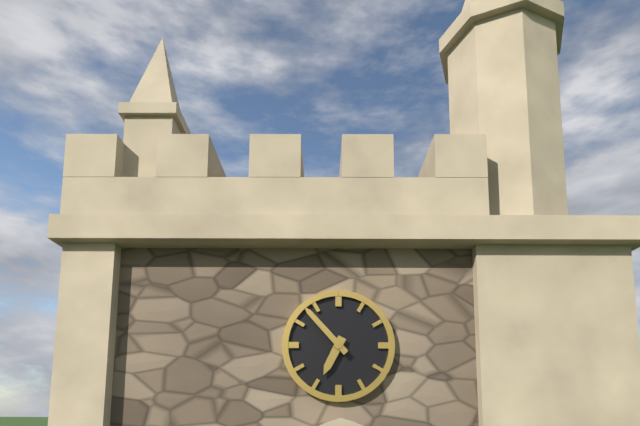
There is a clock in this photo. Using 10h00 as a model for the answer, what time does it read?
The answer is 6h53
